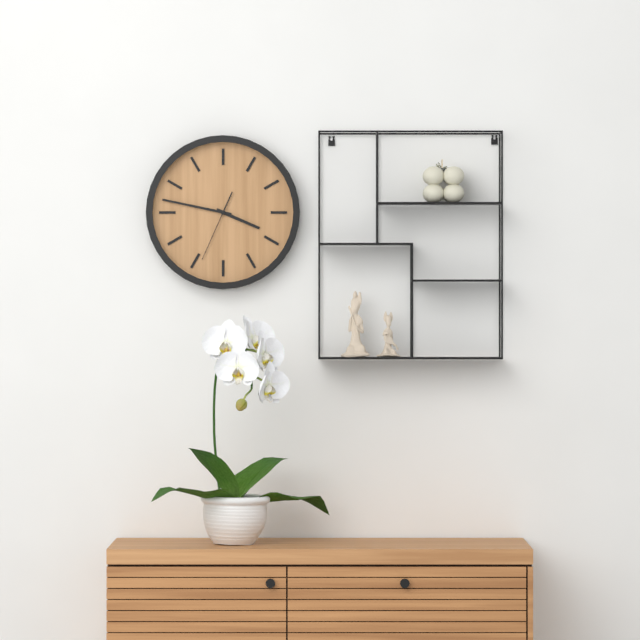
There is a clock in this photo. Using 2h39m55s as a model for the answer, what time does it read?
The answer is 3h47m34s
